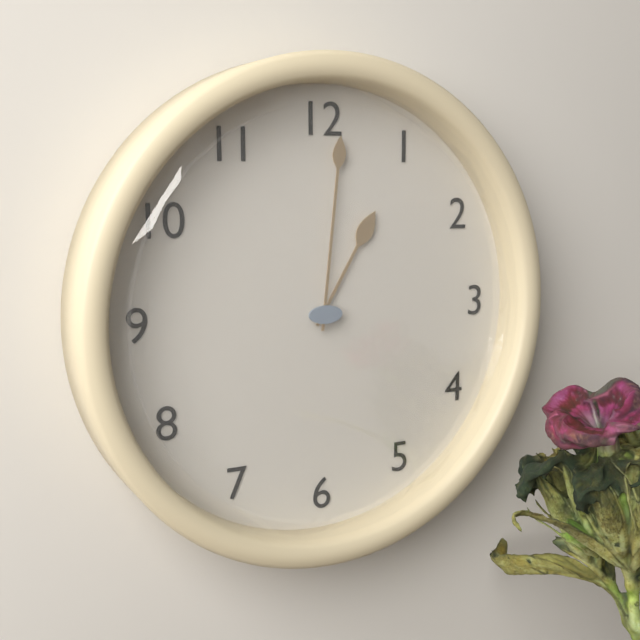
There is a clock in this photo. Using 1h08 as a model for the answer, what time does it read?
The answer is 1h01
